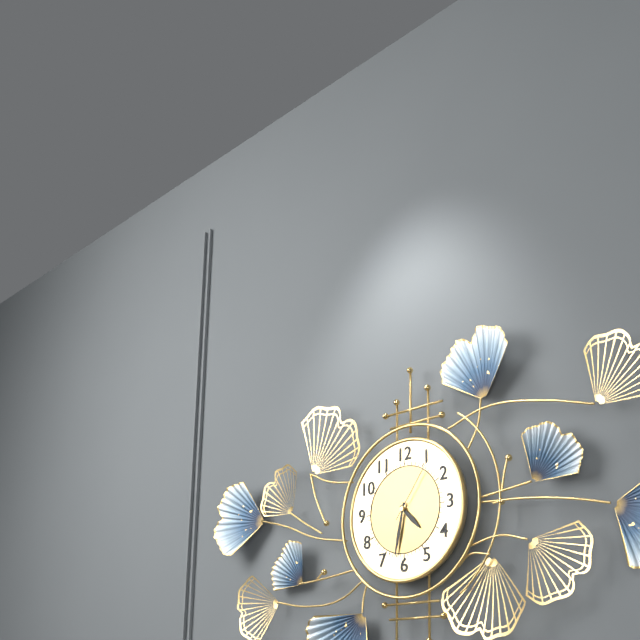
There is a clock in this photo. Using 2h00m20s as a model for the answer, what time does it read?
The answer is 4h32m06s
